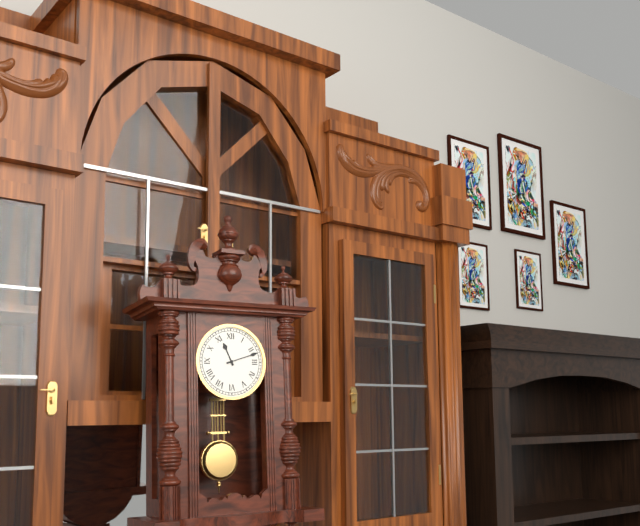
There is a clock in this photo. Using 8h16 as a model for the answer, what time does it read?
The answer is 11h12
